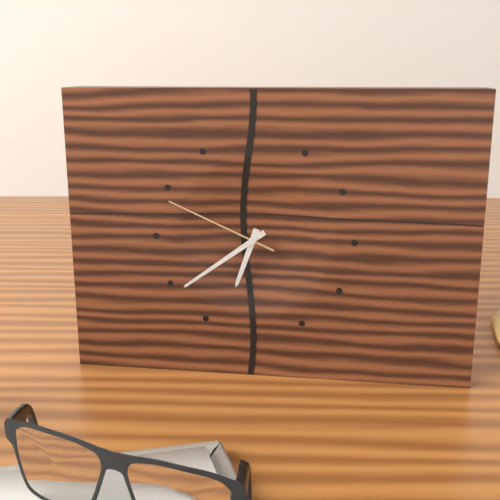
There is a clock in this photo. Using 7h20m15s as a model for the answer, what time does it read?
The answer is 6h39m49s
